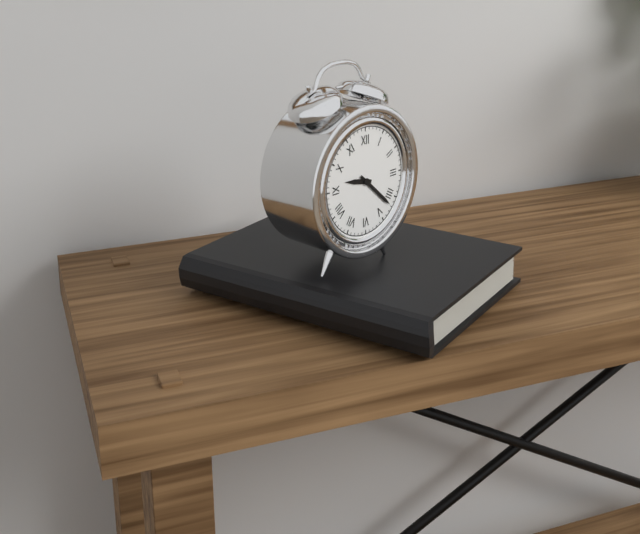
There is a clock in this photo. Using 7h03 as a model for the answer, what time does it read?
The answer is 9h22
